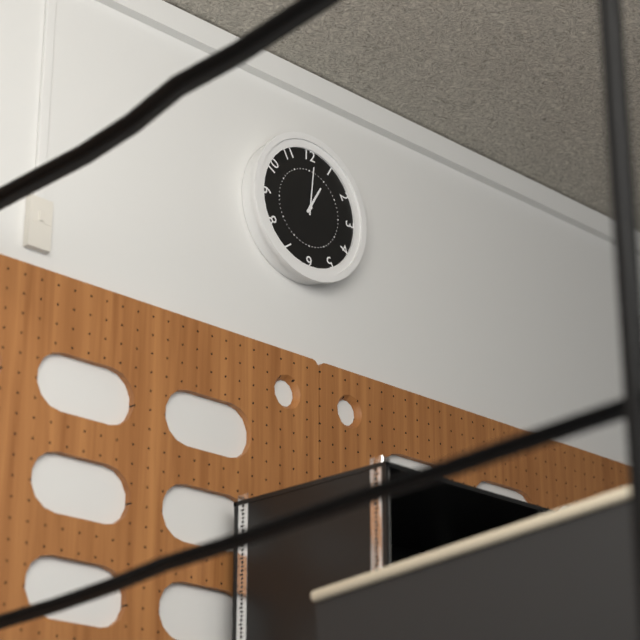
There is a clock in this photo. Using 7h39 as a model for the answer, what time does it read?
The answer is 1h01
